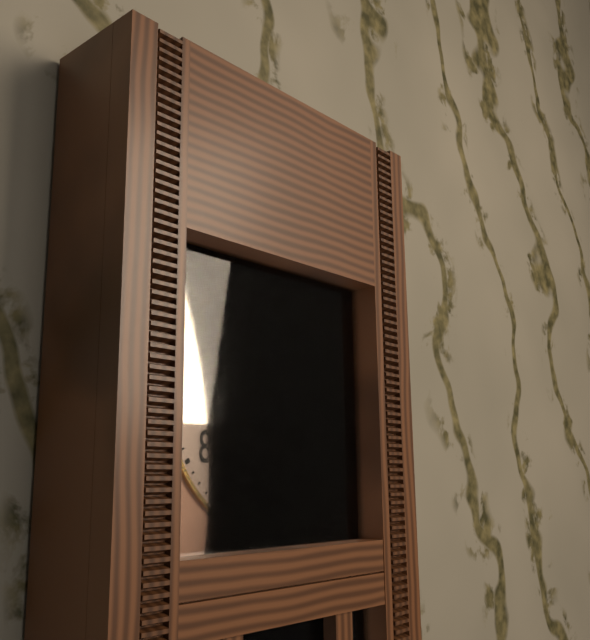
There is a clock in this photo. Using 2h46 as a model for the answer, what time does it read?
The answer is 4h34
